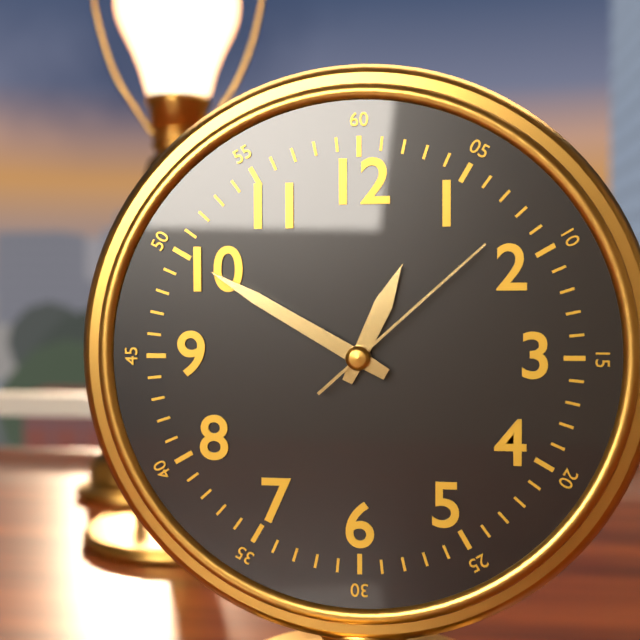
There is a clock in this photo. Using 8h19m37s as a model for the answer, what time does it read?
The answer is 12h50m08s
